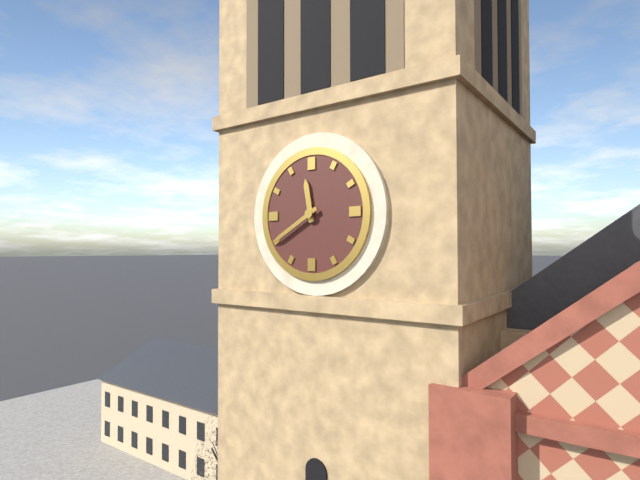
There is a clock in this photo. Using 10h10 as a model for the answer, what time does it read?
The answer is 11h40
